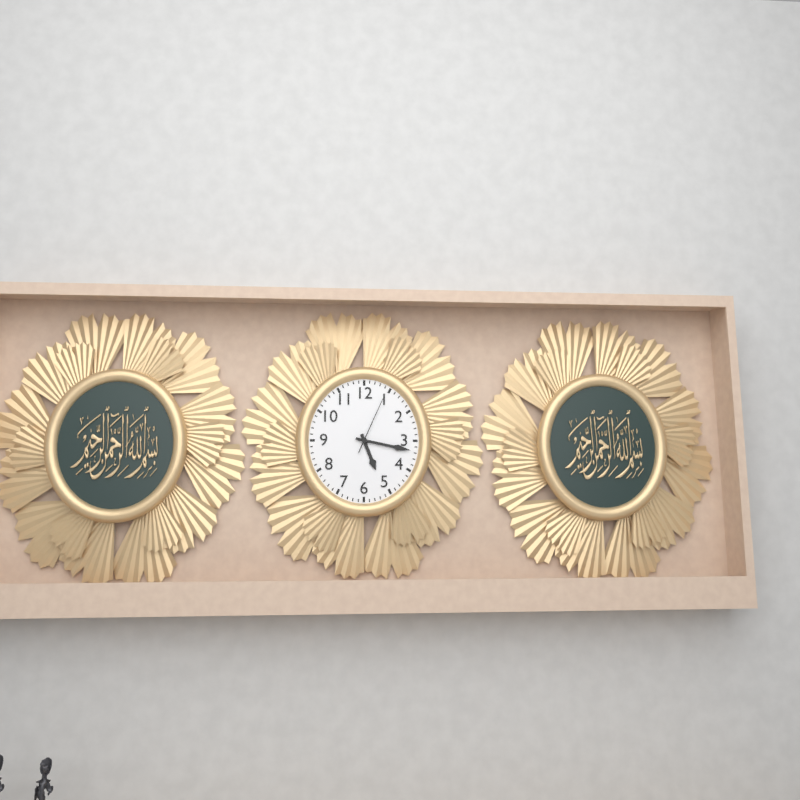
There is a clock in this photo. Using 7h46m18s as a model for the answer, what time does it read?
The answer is 5h17m04s
